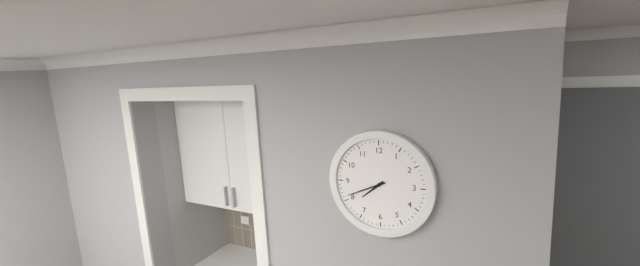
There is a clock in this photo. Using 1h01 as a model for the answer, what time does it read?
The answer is 7h41
